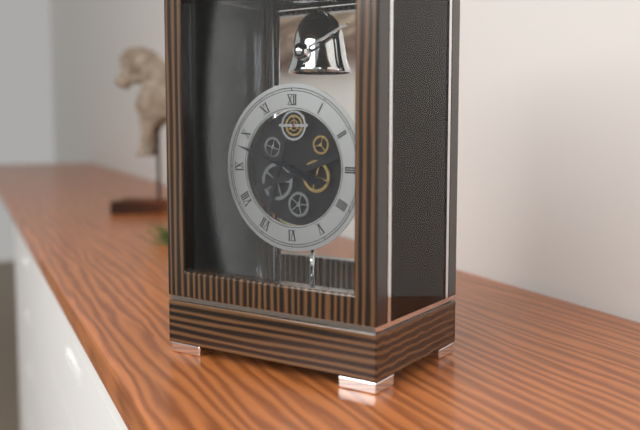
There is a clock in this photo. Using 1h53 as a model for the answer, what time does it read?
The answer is 3h48
